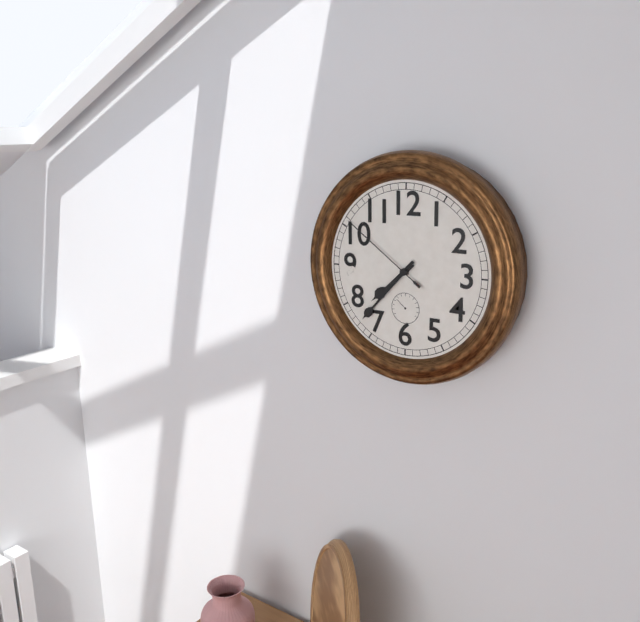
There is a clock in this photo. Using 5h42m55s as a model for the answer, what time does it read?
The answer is 7h37m51s
